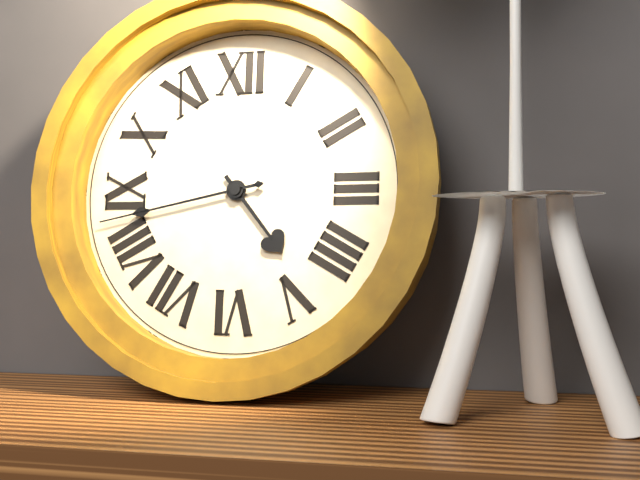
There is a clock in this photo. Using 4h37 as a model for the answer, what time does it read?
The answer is 4h43
